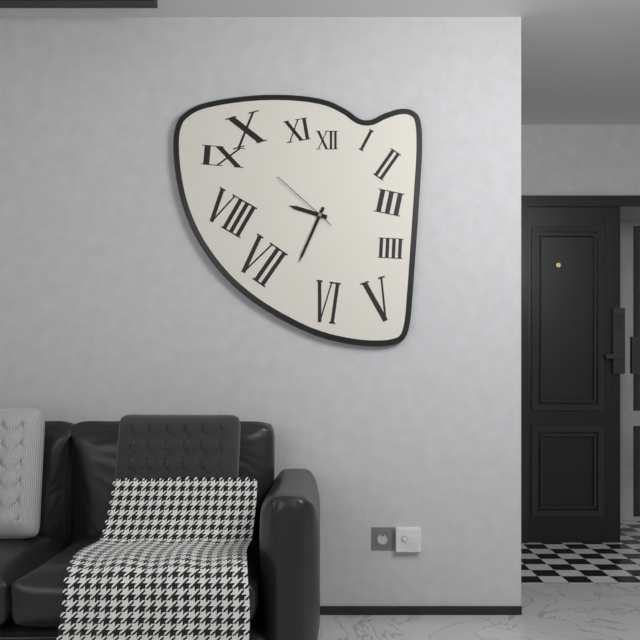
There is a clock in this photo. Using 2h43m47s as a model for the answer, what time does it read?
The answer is 9h34m52s
